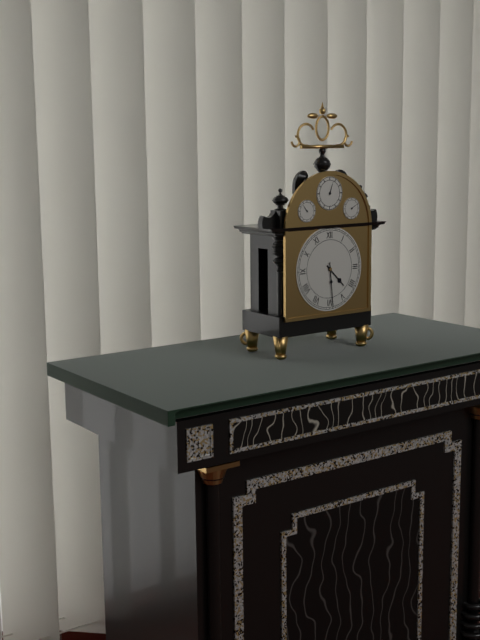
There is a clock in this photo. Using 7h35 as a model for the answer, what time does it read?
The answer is 4h29
